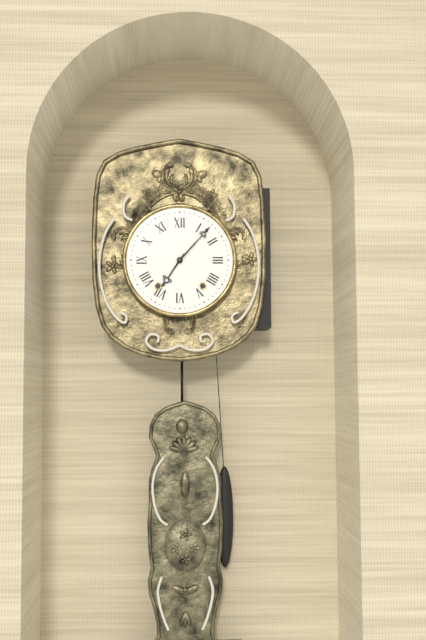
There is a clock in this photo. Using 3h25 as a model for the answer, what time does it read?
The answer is 7h07
